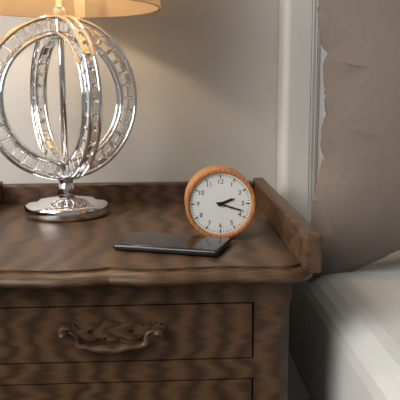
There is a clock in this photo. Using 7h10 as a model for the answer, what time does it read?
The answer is 2h18
